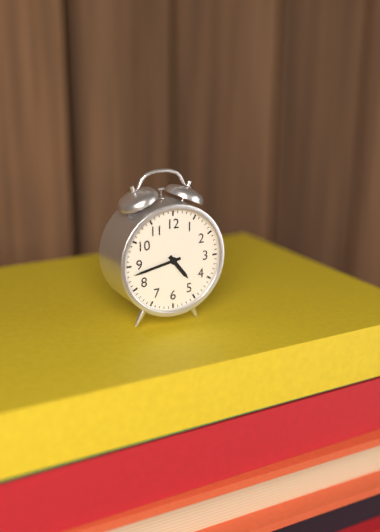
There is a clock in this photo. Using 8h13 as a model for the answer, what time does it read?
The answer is 4h43
